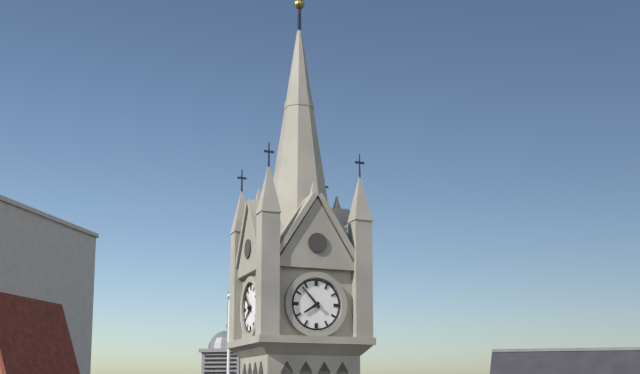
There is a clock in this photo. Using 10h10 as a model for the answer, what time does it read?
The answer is 7h53
